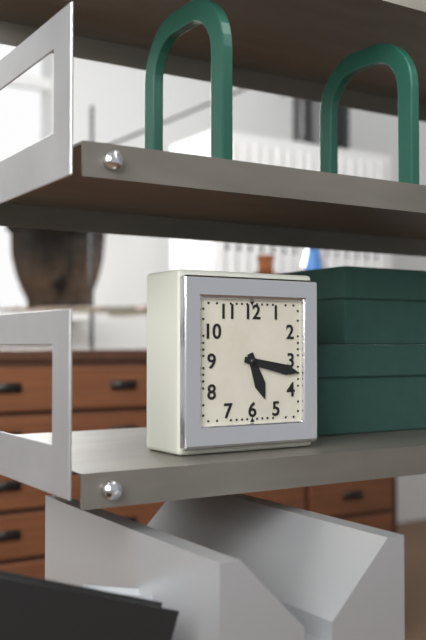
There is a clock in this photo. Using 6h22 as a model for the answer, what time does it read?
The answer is 5h17
